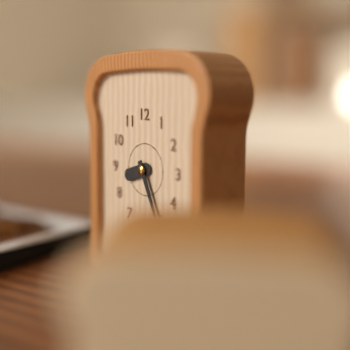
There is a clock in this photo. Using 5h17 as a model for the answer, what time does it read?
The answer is 8h26
